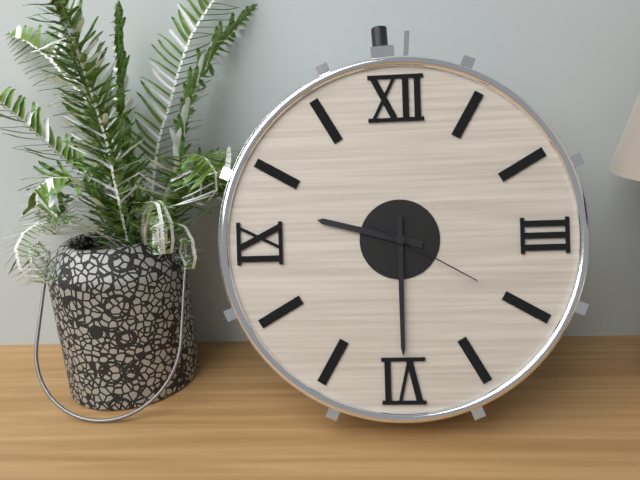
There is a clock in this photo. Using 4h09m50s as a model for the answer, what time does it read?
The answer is 9h30m20s
